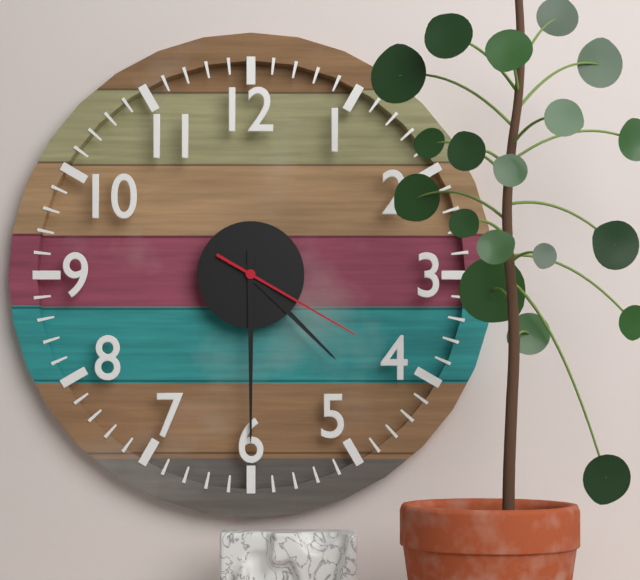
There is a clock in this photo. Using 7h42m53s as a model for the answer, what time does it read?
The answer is 4h30m20s
